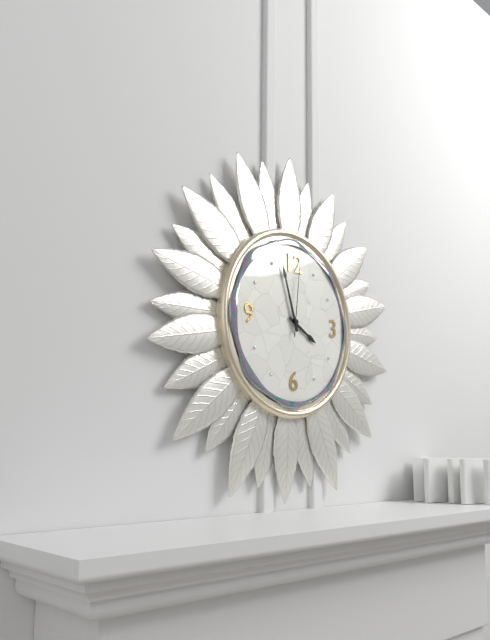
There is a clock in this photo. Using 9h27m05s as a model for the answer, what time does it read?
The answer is 3h57m01s
